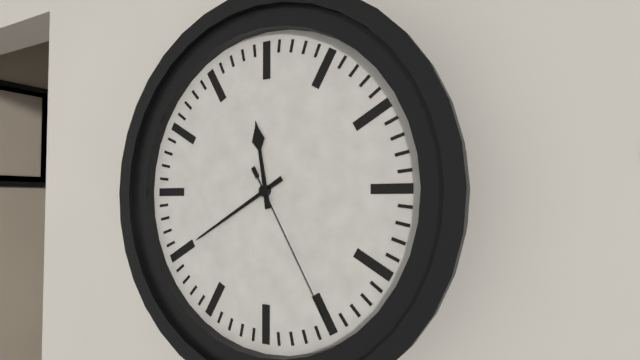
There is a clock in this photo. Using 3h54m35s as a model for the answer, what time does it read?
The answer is 11h40m25s
